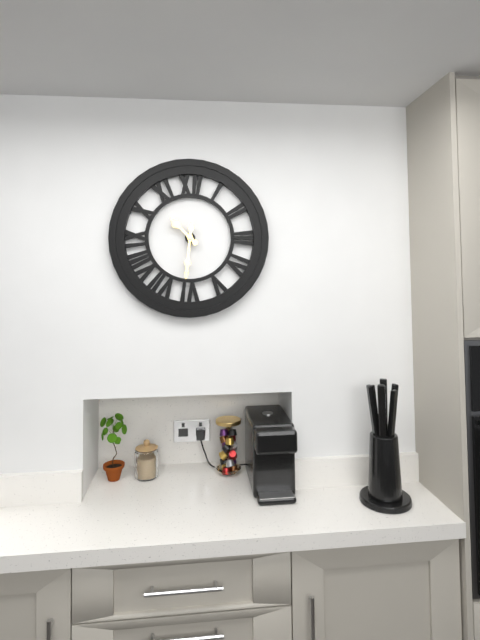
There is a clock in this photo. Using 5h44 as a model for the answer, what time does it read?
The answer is 10h31
